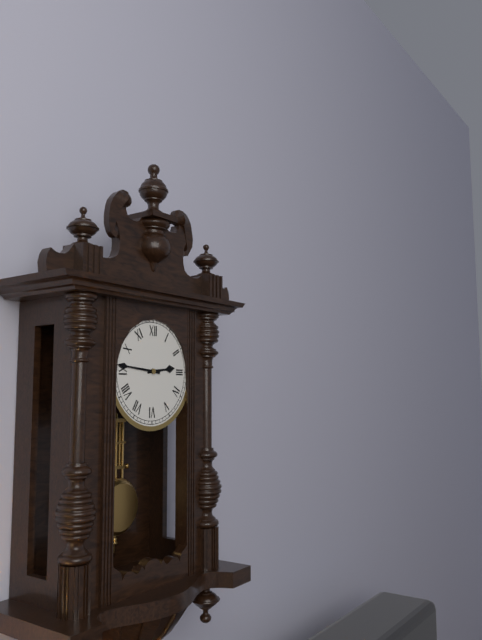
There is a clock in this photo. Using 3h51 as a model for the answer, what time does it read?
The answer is 2h46
